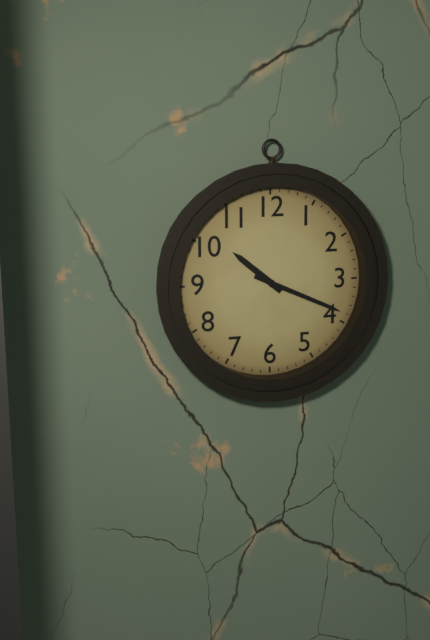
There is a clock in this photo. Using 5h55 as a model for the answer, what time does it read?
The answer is 10h19
